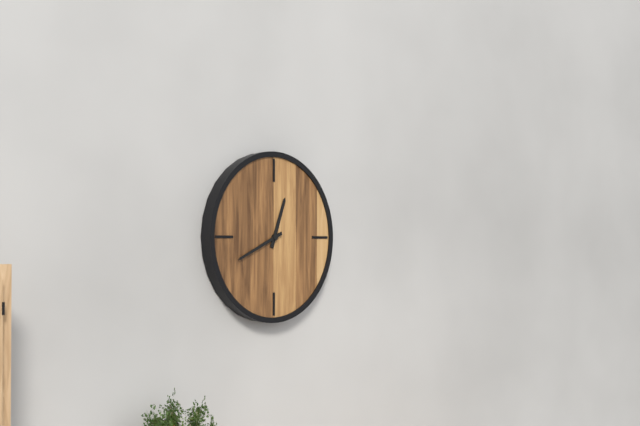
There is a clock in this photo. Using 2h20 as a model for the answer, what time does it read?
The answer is 12h41
